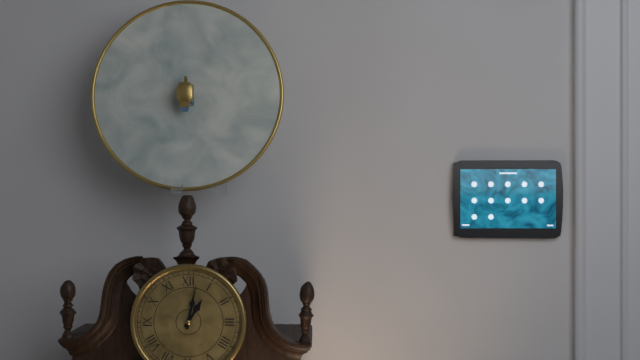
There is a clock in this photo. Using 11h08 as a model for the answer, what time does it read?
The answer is 1h02
